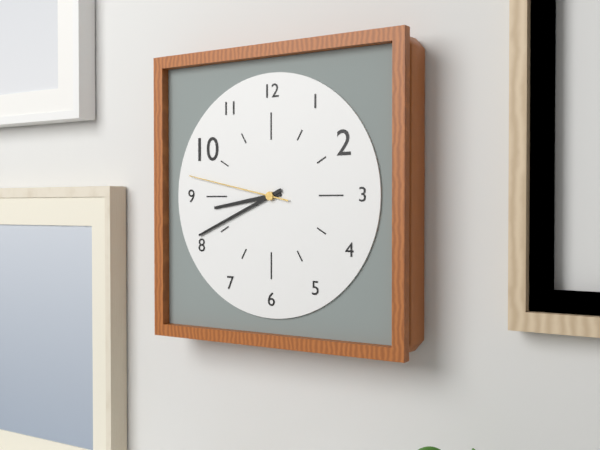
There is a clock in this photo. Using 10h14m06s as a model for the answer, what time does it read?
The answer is 8h41m47s
